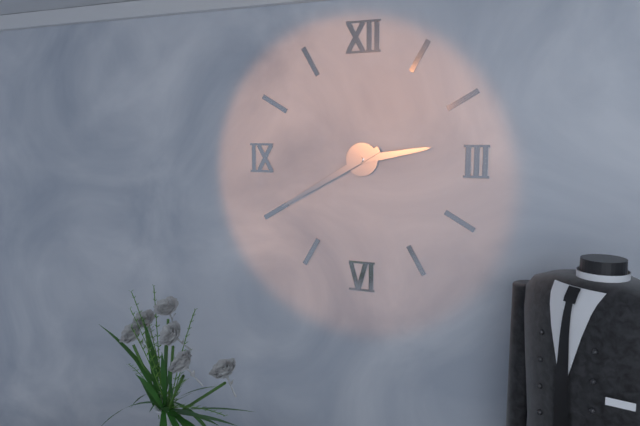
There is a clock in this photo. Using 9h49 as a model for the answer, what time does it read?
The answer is 2h40
